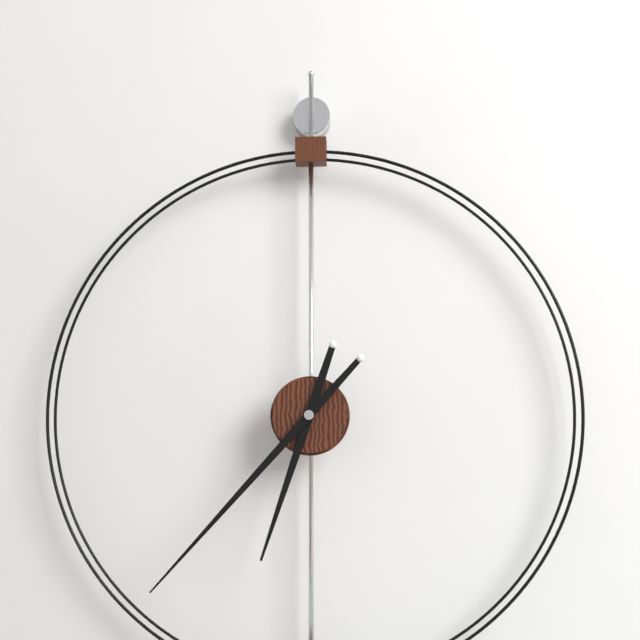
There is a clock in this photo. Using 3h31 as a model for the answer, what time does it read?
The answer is 6h37
